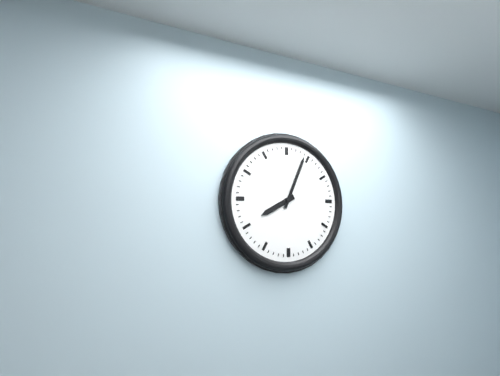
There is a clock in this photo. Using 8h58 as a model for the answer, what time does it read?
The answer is 8h04
